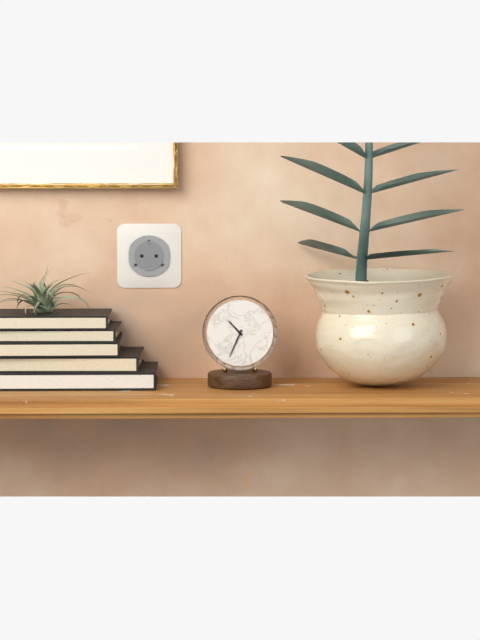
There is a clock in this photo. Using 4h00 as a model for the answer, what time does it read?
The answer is 10h34
